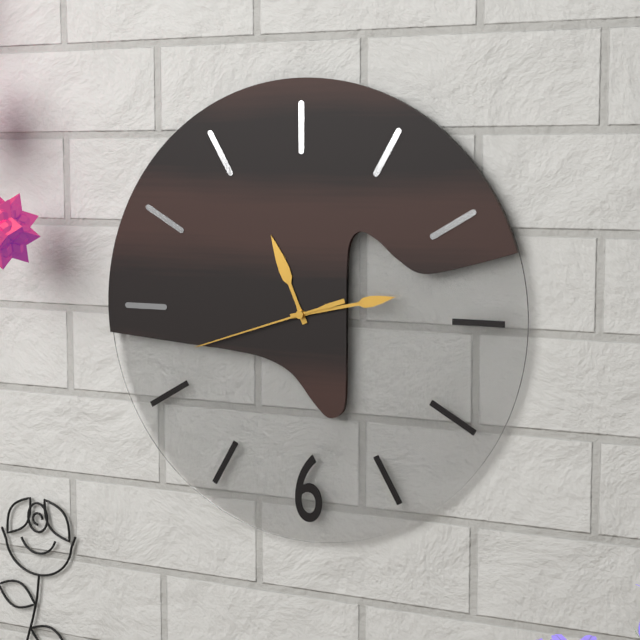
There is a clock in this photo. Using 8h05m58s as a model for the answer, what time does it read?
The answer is 11h13m42s
